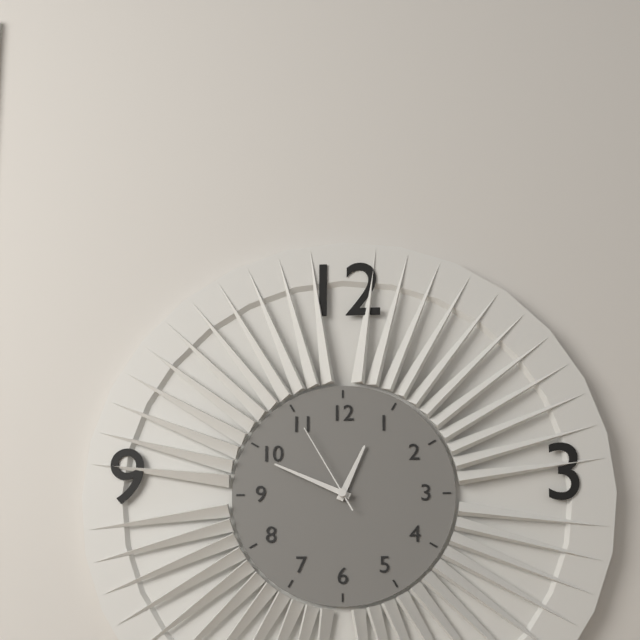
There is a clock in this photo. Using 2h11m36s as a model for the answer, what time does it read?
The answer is 12h49m55s
